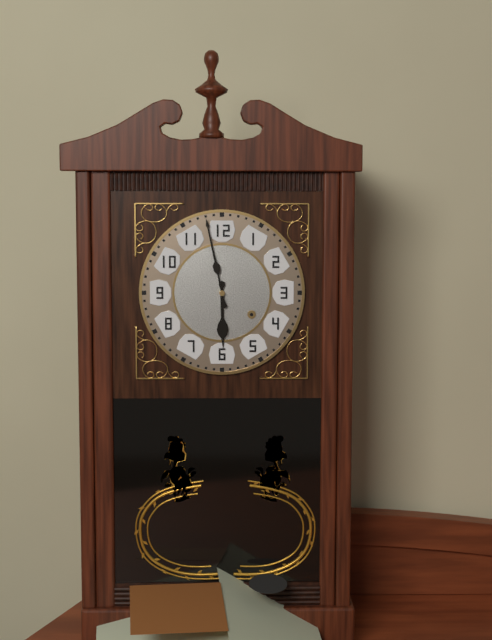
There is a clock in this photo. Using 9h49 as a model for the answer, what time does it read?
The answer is 5h58
